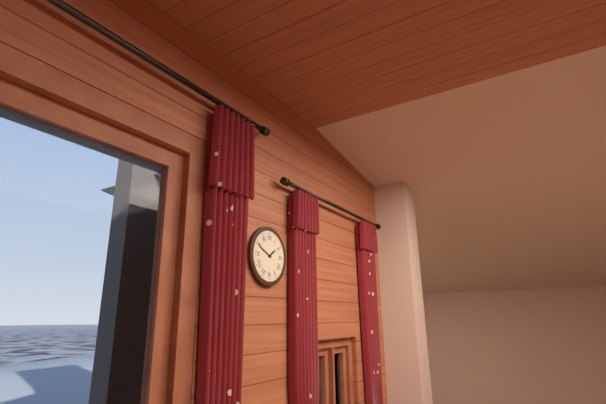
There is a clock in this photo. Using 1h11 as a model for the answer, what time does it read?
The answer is 1h49
